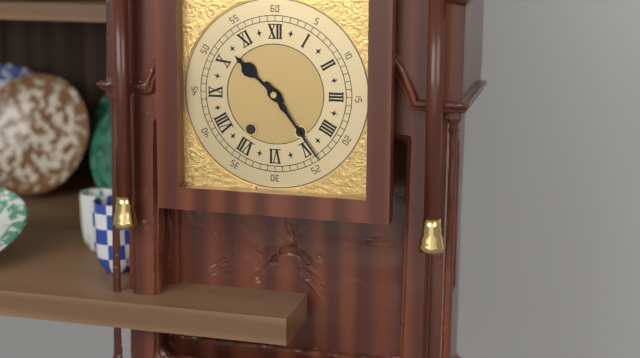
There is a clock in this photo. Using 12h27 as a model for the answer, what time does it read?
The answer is 10h24
